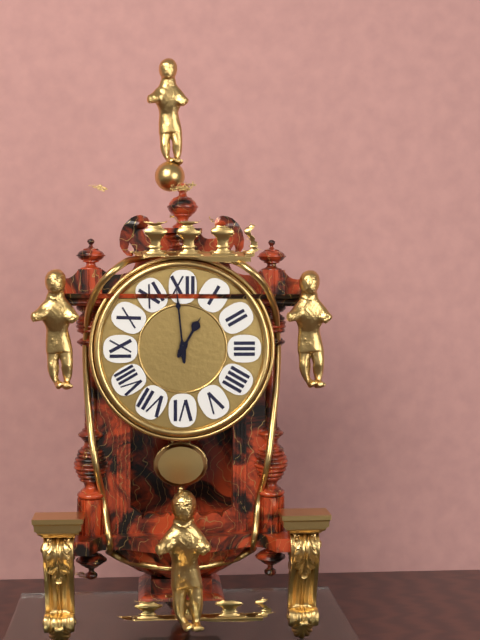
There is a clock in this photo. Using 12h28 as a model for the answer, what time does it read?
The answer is 12h59
